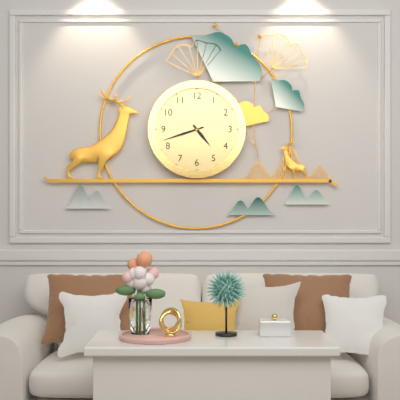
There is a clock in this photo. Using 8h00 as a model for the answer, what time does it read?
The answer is 4h42
